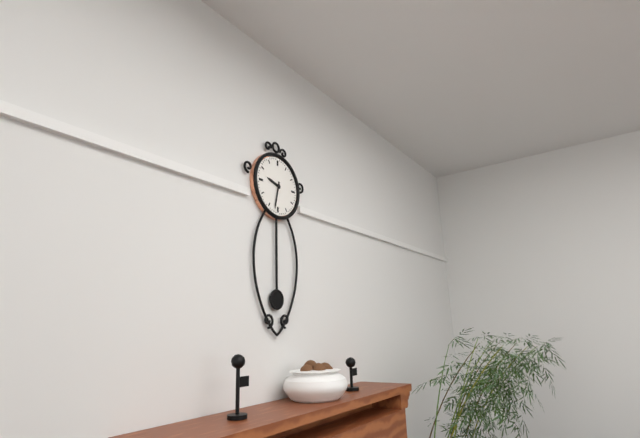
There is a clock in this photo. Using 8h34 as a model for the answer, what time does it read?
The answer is 9h32
